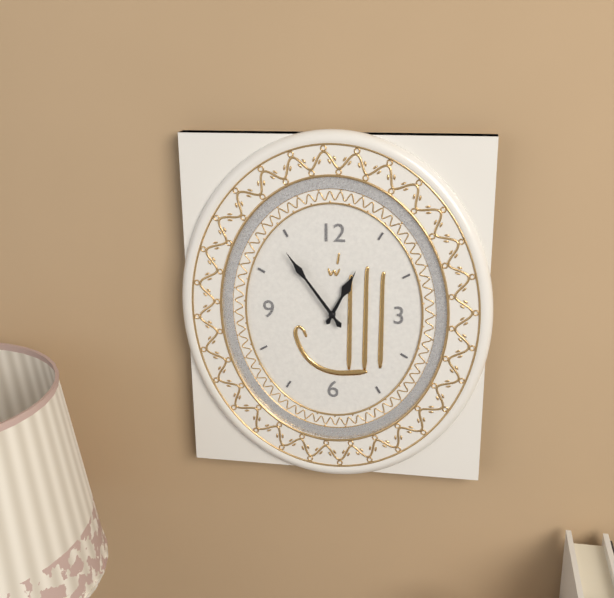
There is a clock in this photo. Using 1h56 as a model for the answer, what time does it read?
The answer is 12h54
